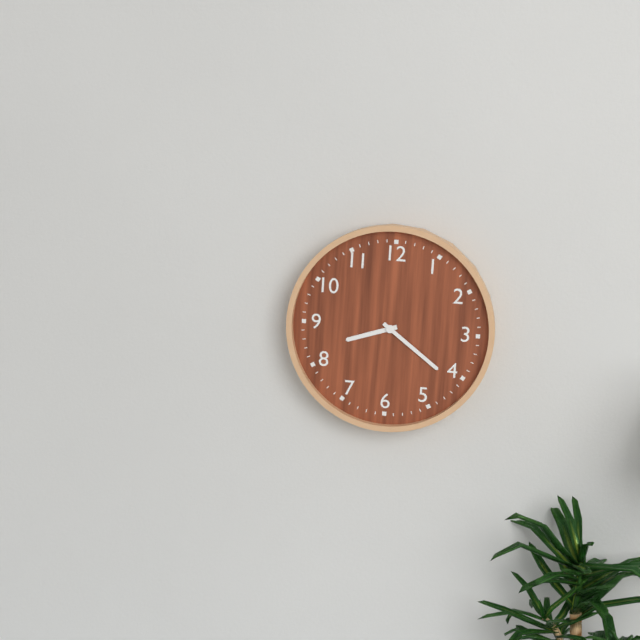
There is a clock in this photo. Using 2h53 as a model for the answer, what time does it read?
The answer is 8h21
